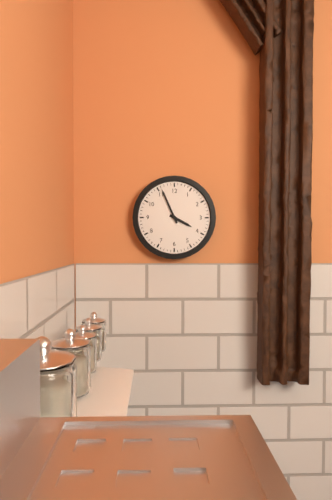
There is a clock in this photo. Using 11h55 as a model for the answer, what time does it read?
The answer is 3h56
